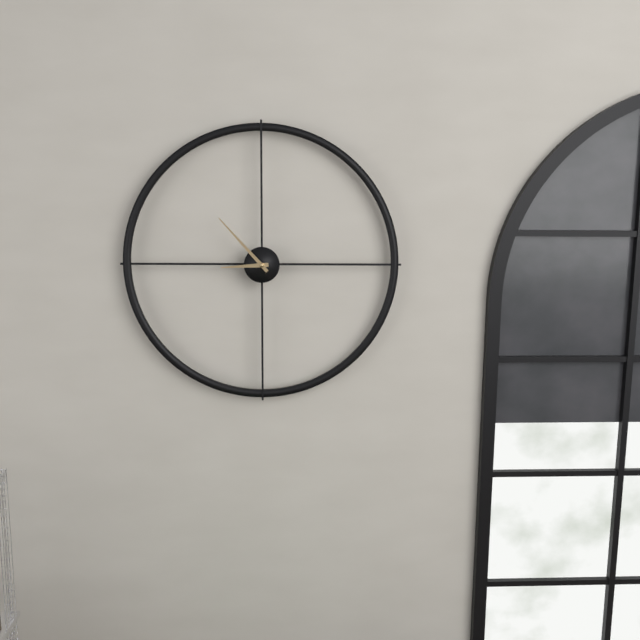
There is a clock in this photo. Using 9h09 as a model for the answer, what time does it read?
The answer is 8h53
